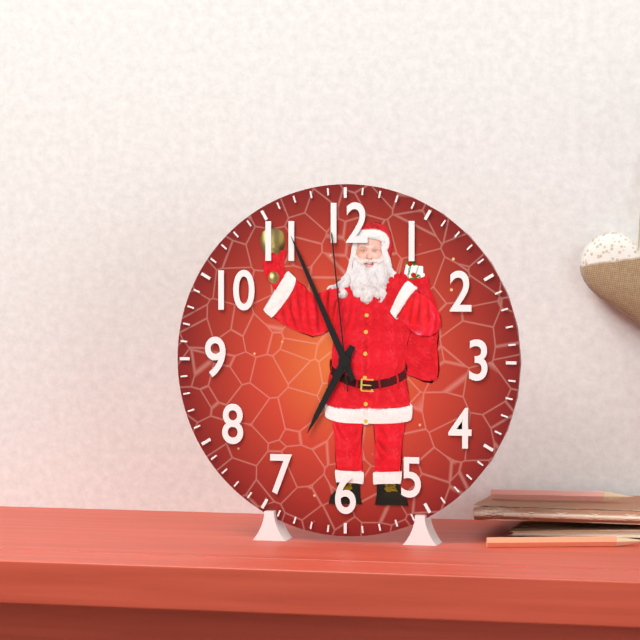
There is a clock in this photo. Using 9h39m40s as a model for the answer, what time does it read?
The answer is 6h56m59s
